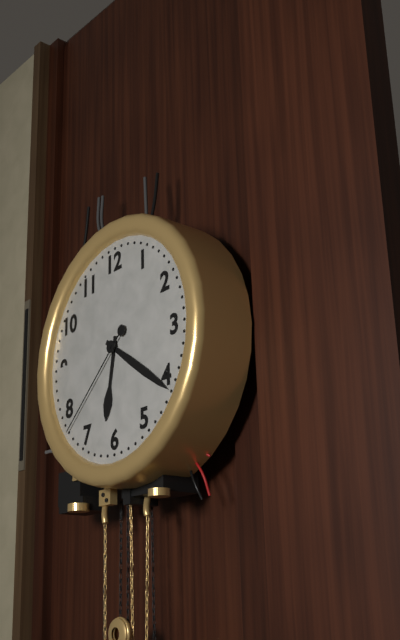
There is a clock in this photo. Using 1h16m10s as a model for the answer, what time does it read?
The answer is 6h21m38s
